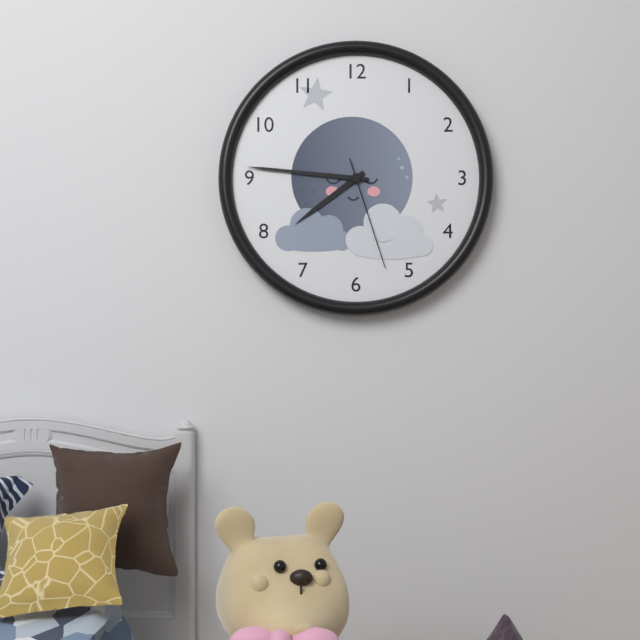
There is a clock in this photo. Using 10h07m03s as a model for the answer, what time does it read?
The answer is 7h46m27s
